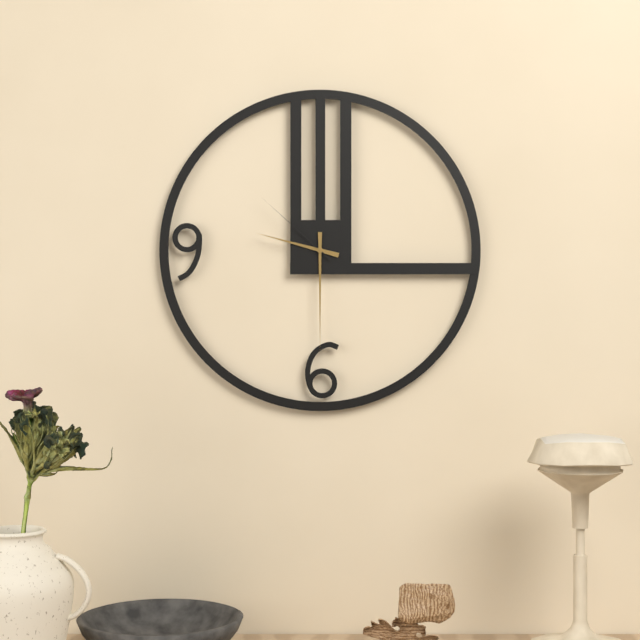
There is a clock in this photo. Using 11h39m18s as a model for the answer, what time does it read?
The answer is 9h30m52s
